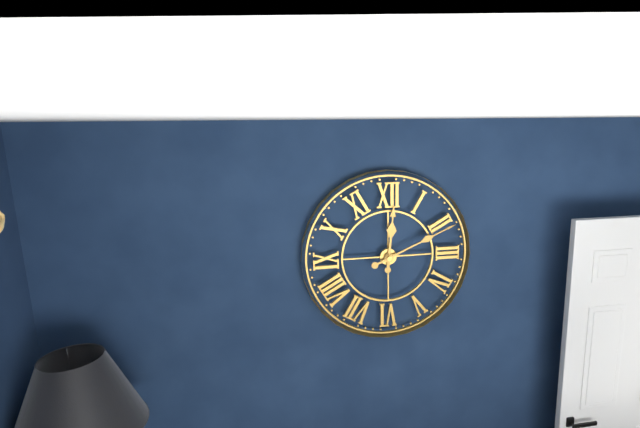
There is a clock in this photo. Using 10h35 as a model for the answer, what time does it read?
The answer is 12h11
